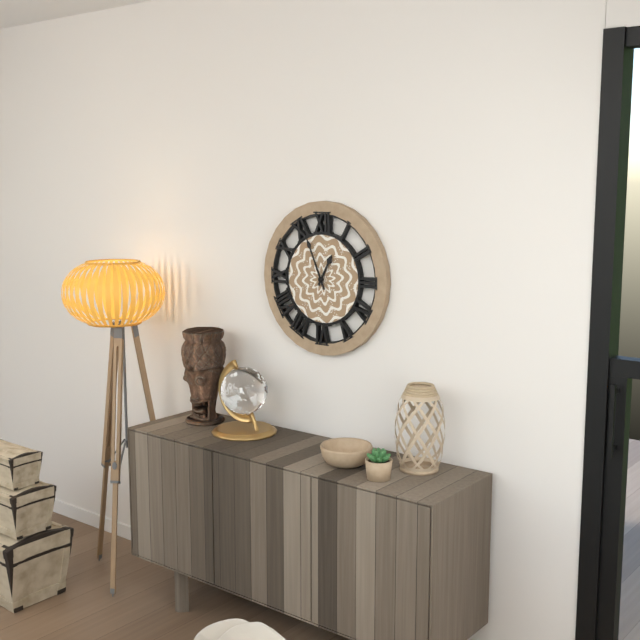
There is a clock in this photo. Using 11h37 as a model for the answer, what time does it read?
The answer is 12h56
